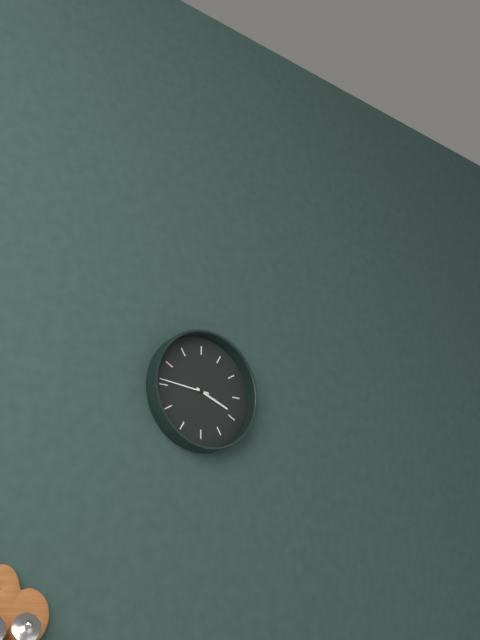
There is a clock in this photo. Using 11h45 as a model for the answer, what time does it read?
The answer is 3h46
